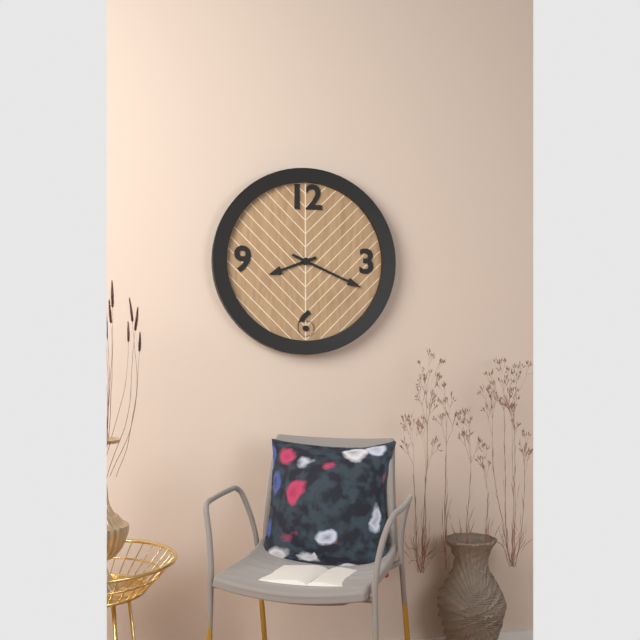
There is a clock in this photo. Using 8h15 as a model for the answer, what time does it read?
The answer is 8h19
